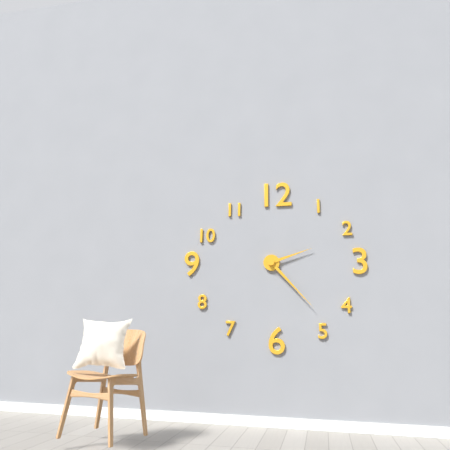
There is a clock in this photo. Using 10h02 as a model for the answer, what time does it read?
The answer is 2h23
